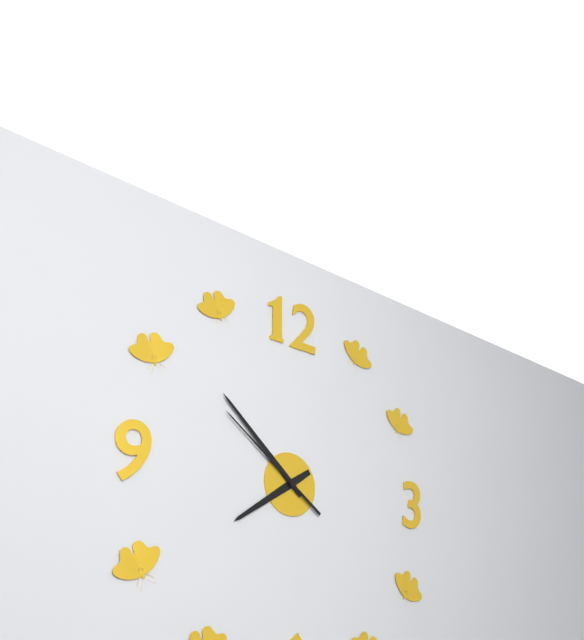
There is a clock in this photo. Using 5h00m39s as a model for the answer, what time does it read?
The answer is 7h52m51s
